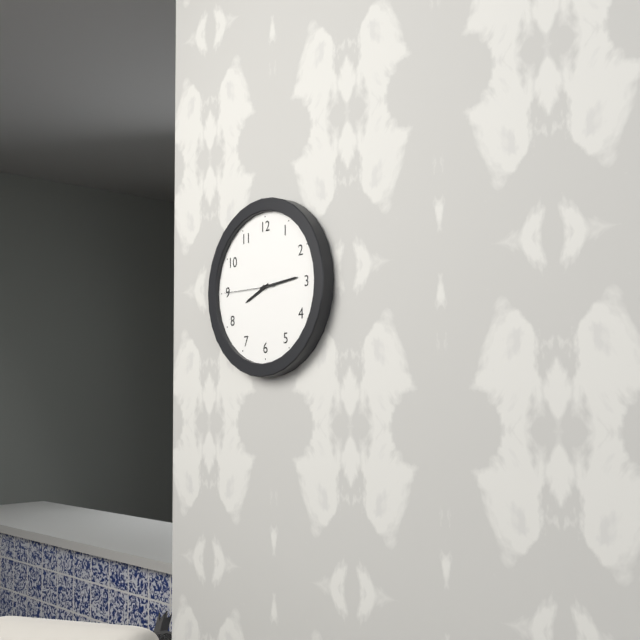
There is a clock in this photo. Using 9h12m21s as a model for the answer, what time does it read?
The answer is 8h14m45s
